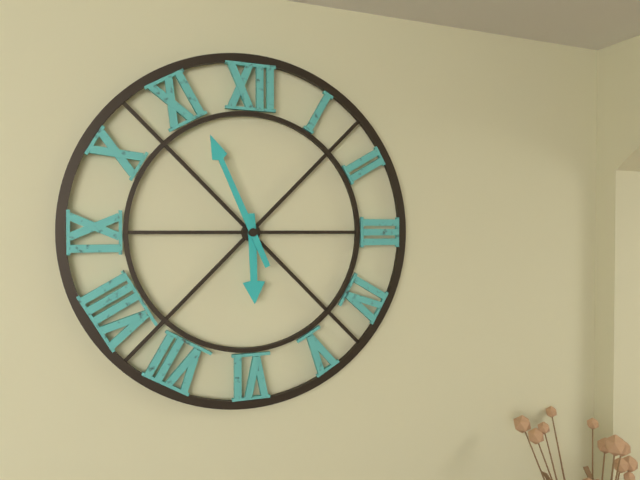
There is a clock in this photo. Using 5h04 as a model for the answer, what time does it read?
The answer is 5h56
